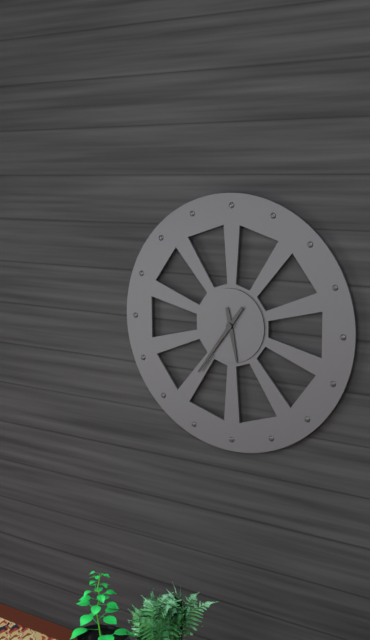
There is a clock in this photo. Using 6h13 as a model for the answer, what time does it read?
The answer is 5h36
